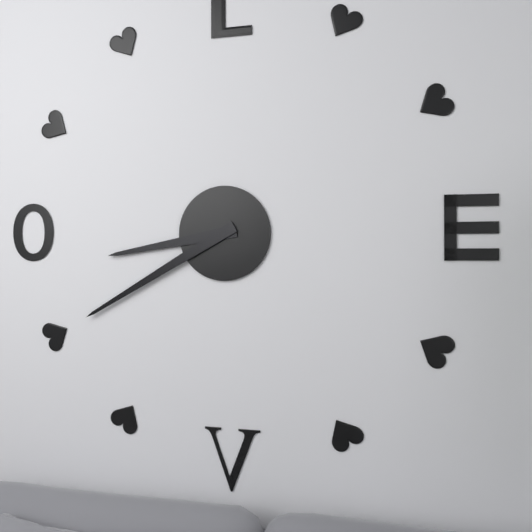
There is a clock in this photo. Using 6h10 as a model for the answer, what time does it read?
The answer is 8h40
